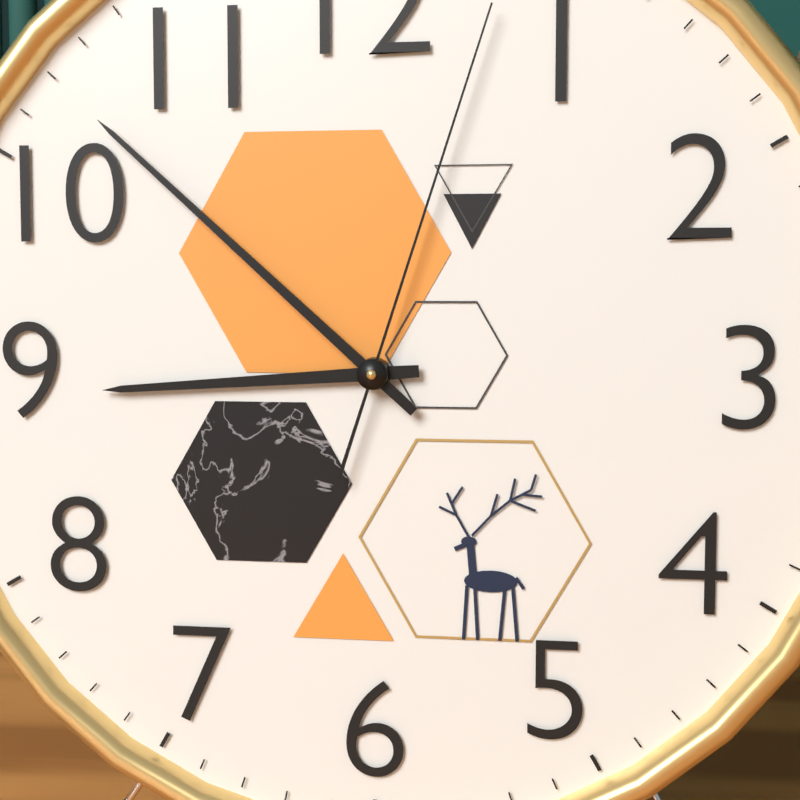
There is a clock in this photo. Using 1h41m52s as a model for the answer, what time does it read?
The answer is 8h52m03s
